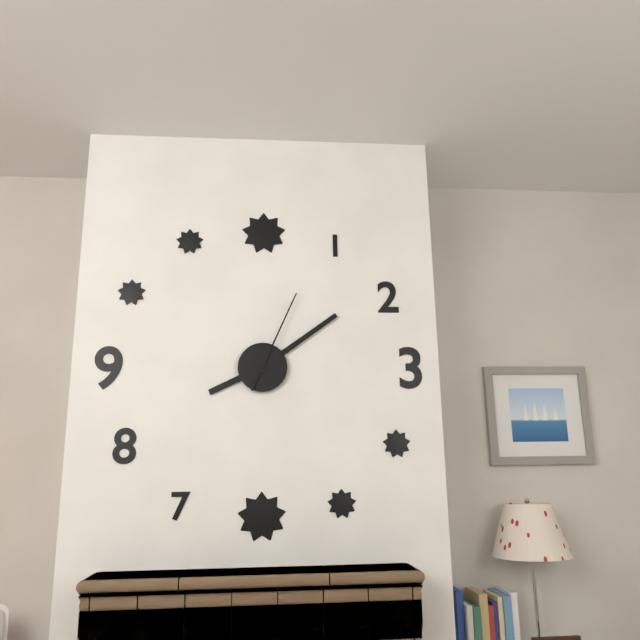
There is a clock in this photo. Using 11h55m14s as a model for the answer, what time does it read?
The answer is 8h09m04s
